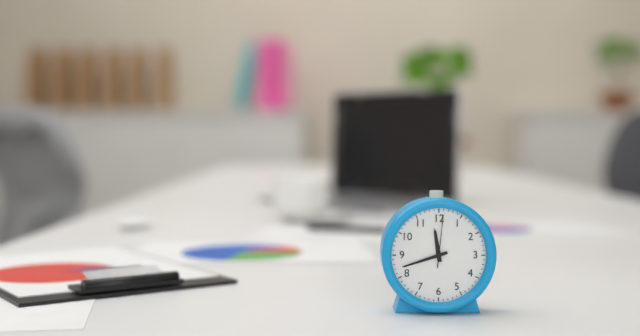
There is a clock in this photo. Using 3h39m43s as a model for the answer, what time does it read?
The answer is 11h42m01s
